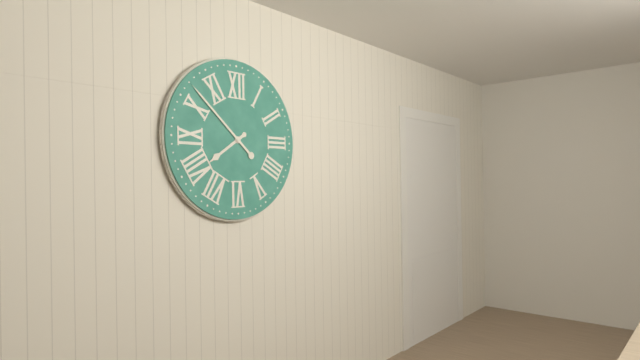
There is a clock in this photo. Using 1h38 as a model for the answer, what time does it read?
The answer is 7h52
